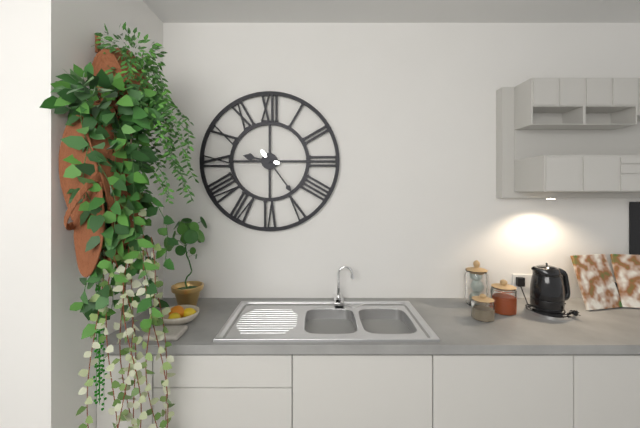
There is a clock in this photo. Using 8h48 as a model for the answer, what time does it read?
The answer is 9h24
